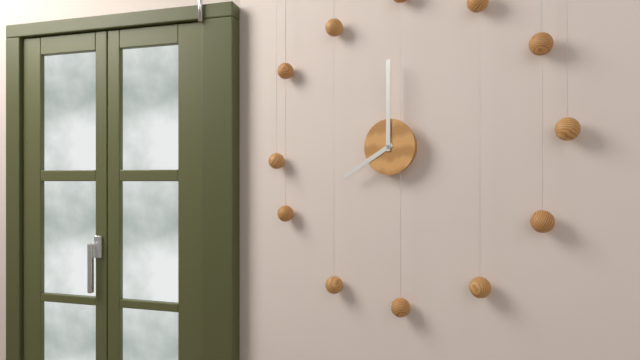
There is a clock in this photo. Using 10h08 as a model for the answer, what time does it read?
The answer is 8h00
